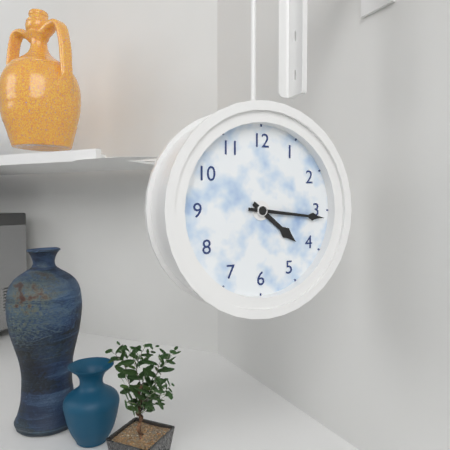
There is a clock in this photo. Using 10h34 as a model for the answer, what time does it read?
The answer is 4h16
